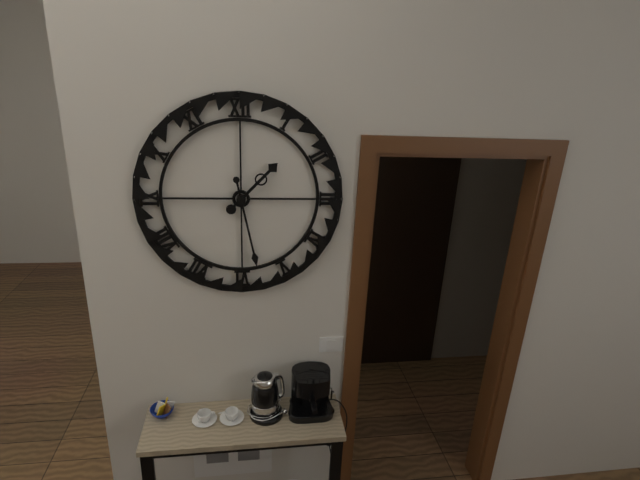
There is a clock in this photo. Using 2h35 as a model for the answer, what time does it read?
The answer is 1h28
